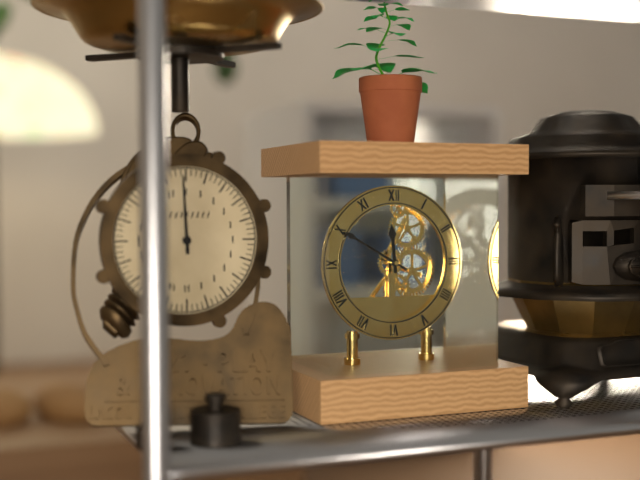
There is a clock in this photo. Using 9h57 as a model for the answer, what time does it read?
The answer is 11h50
